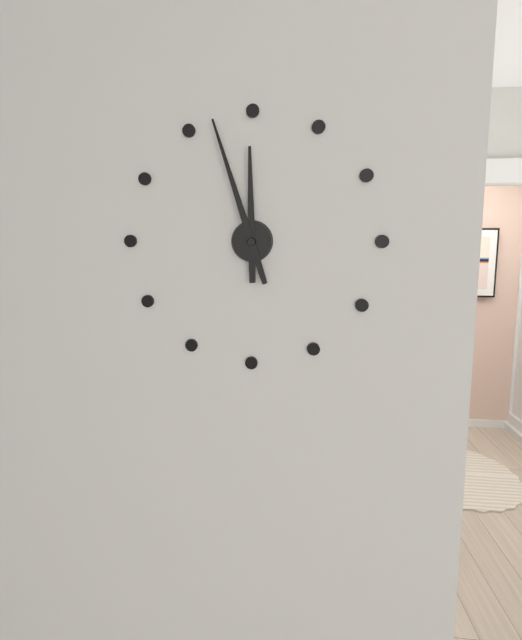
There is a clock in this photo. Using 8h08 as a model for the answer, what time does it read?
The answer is 11h57
